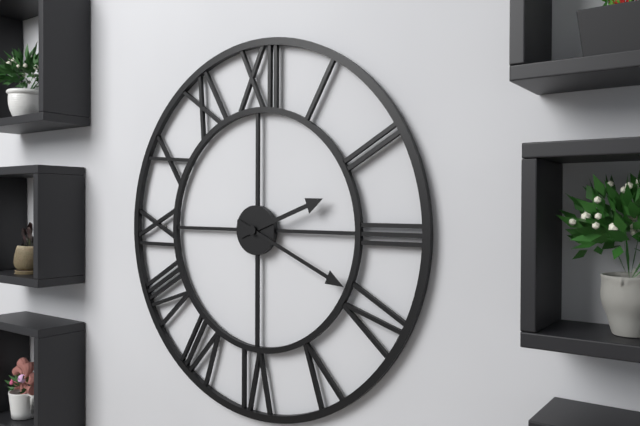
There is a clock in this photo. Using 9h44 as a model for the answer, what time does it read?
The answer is 2h19
